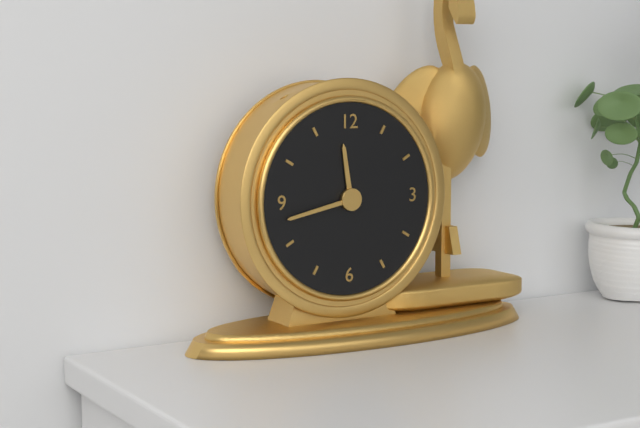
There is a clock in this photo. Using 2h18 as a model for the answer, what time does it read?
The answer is 11h43
